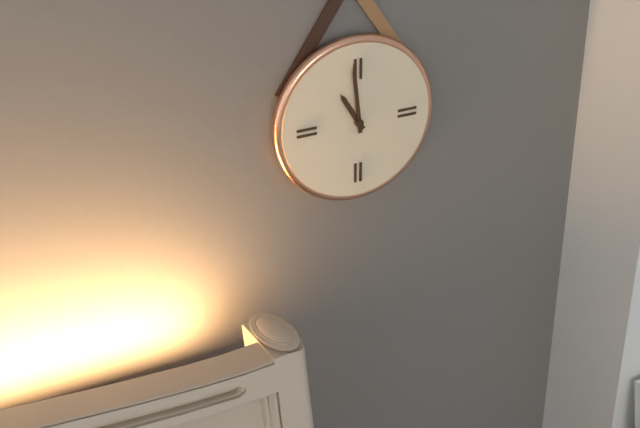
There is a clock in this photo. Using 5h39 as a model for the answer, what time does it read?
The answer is 10h59
